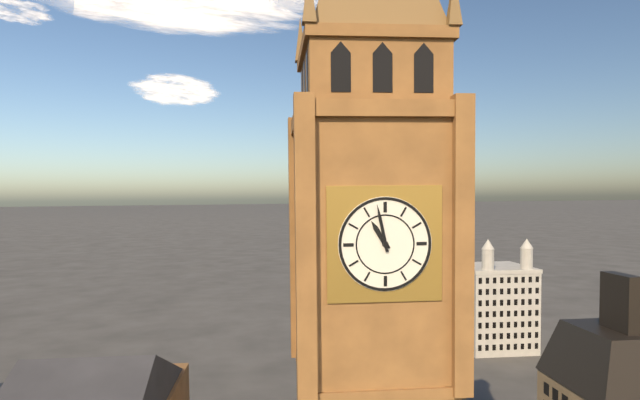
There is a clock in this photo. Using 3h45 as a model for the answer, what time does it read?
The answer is 10h58
